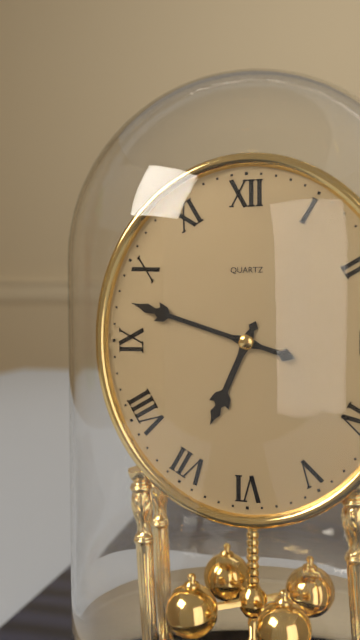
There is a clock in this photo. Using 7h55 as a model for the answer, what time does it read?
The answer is 6h48
